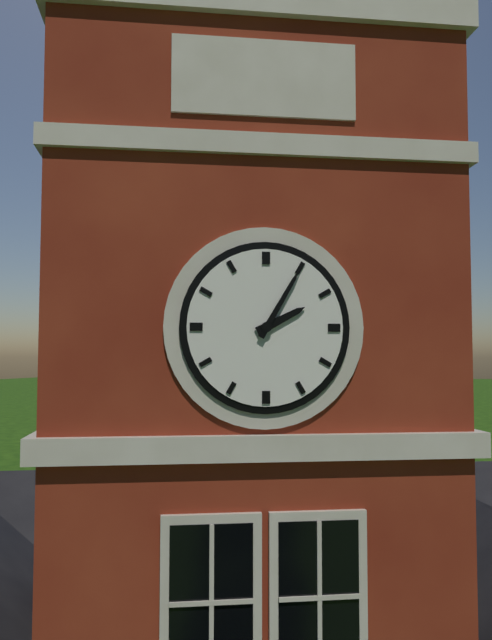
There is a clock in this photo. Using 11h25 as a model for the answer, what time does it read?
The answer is 2h05
